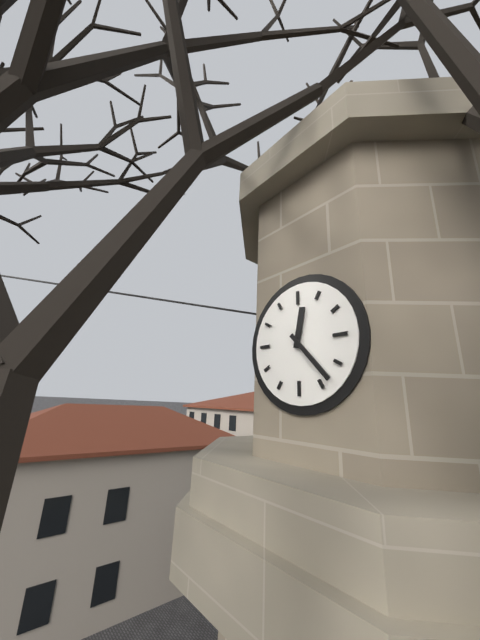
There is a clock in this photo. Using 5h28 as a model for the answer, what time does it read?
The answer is 12h23
